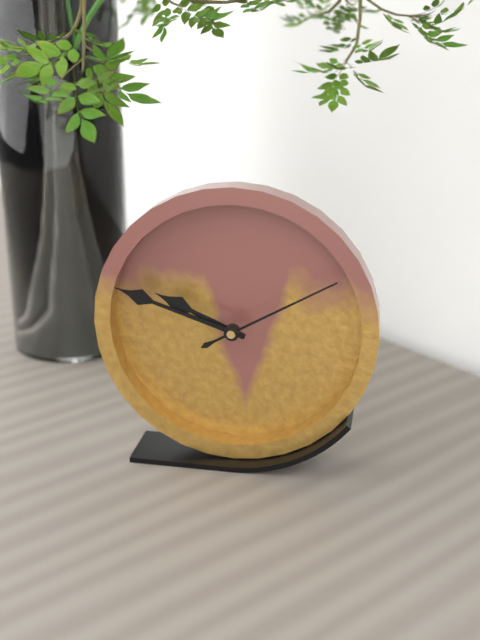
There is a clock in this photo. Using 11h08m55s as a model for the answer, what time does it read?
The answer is 9h48m10s
